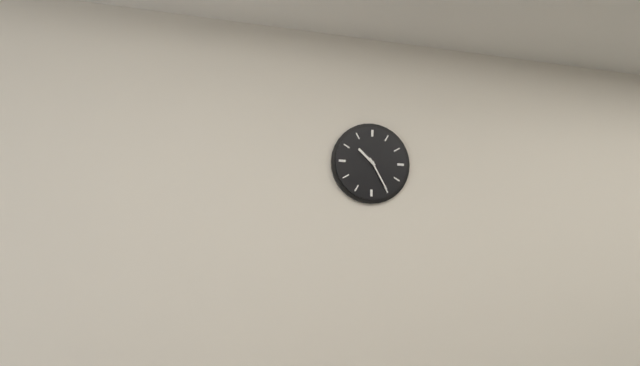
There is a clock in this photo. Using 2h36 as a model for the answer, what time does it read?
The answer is 10h25
